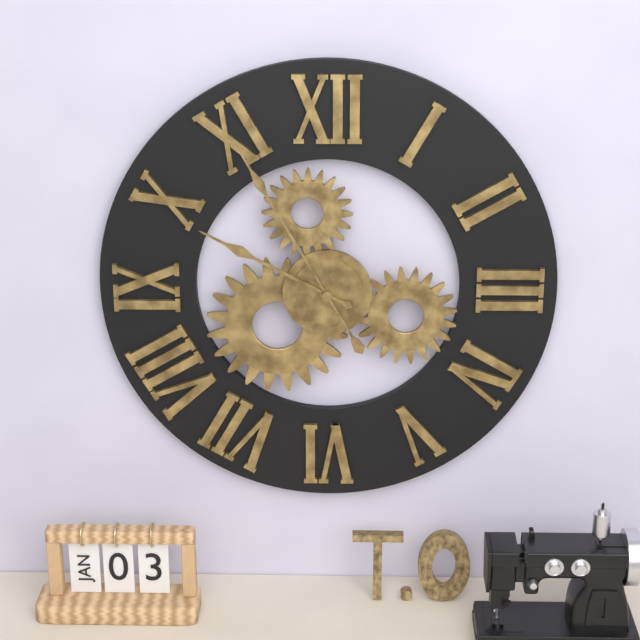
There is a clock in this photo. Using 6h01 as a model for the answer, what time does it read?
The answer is 9h55
